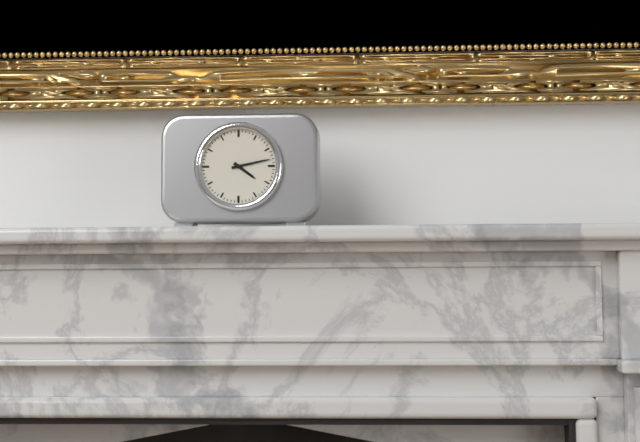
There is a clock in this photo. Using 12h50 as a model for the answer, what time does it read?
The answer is 4h13
